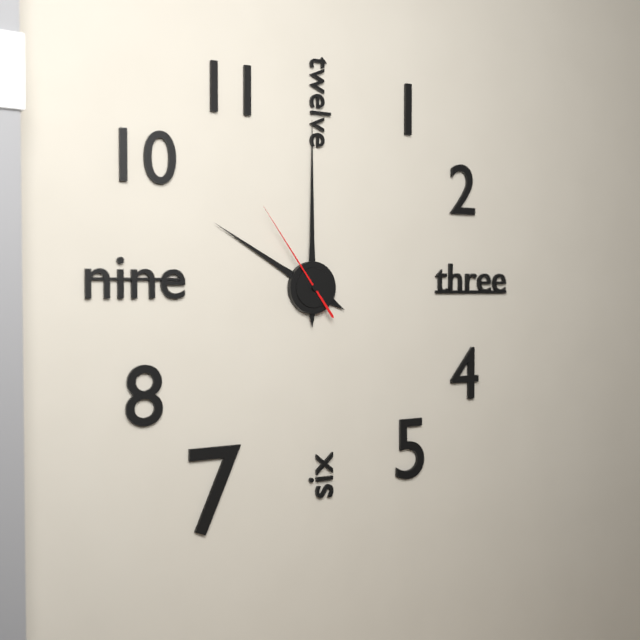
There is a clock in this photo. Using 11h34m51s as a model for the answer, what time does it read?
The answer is 10h00m54s
